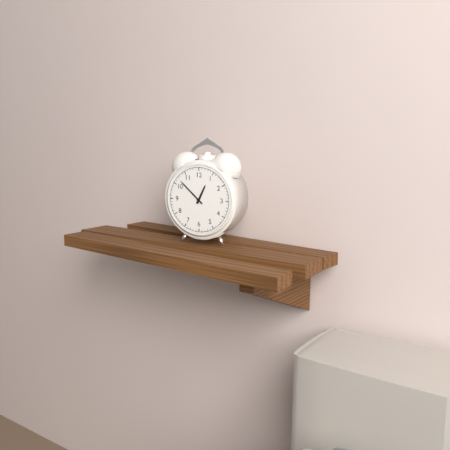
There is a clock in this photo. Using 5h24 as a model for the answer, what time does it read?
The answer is 12h52
